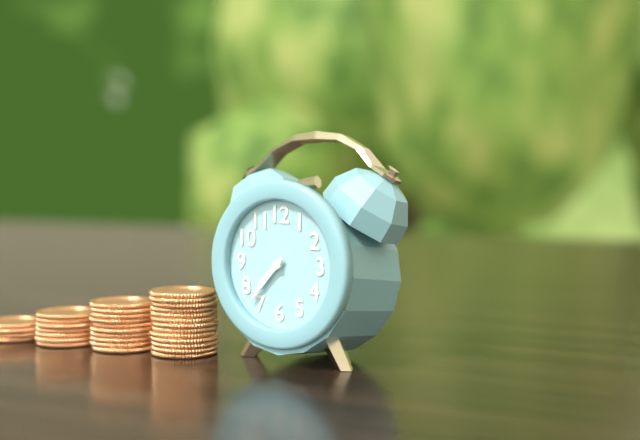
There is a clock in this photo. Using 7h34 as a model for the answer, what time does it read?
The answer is 7h37
